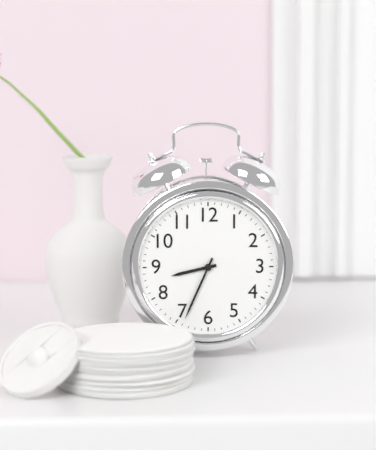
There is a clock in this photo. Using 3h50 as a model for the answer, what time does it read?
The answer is 8h34
